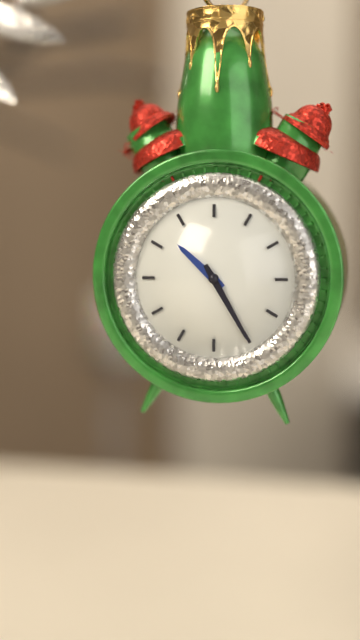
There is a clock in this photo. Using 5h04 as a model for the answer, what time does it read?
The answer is 10h25
